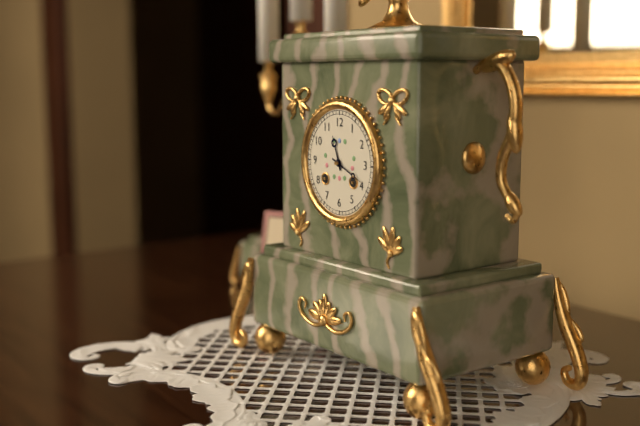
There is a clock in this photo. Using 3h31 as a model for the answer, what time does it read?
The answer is 11h19
